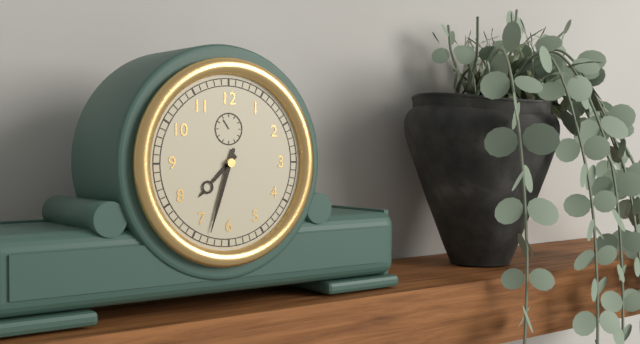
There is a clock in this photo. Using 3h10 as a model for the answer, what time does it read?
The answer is 7h33
